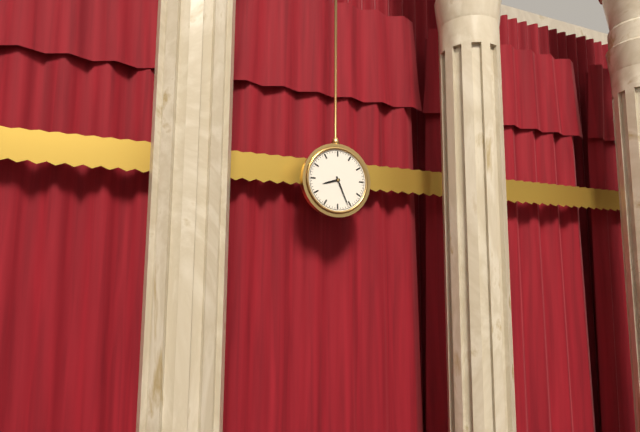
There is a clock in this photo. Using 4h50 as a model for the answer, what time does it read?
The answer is 8h26
